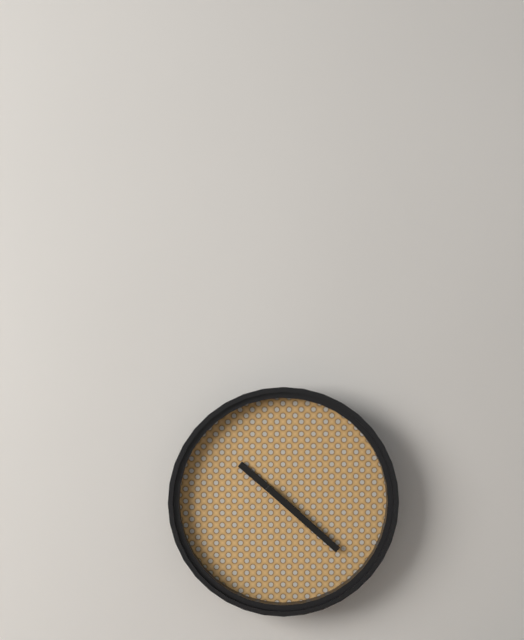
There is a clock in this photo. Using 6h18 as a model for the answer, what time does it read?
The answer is 10h22
